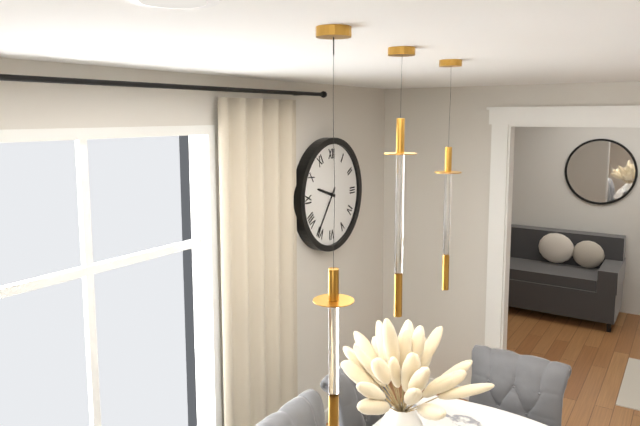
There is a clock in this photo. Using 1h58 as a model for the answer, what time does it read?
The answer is 9h36
